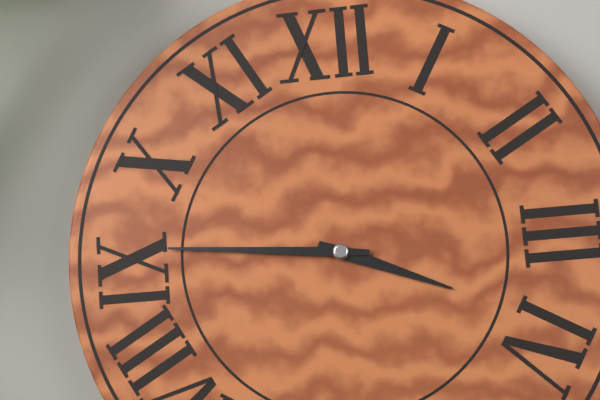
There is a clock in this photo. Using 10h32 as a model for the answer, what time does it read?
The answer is 3h46
